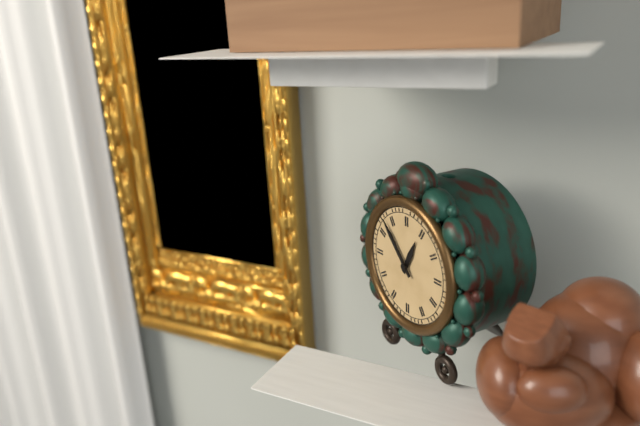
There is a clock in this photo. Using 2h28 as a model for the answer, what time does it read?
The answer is 12h53
